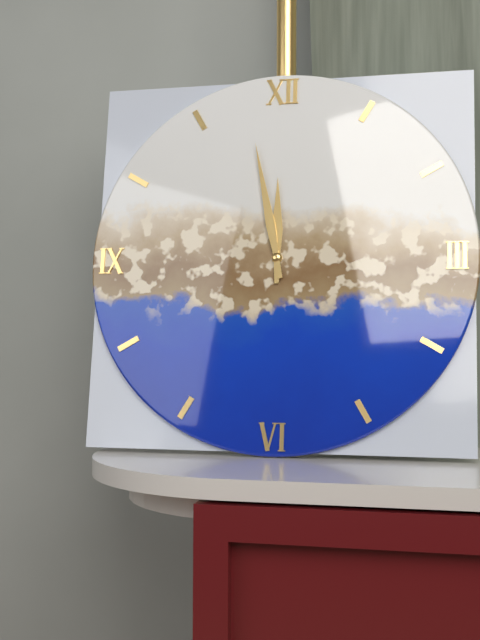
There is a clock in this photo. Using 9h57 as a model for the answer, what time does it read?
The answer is 11h58
